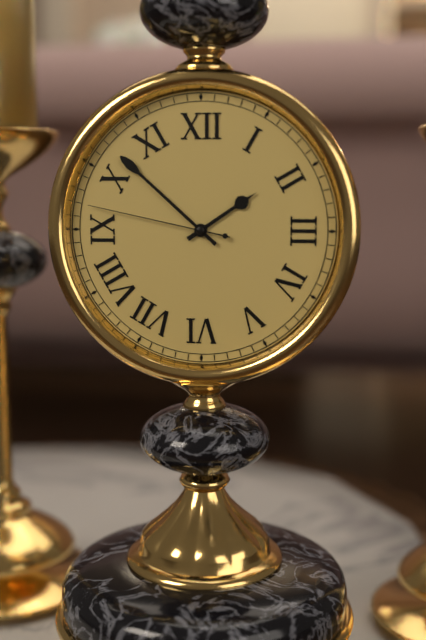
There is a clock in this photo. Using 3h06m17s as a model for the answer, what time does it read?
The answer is 1h52m47s
